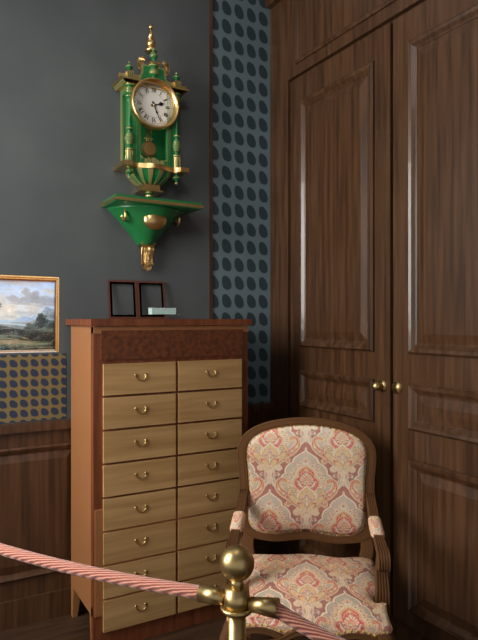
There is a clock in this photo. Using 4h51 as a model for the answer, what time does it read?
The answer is 2h26
